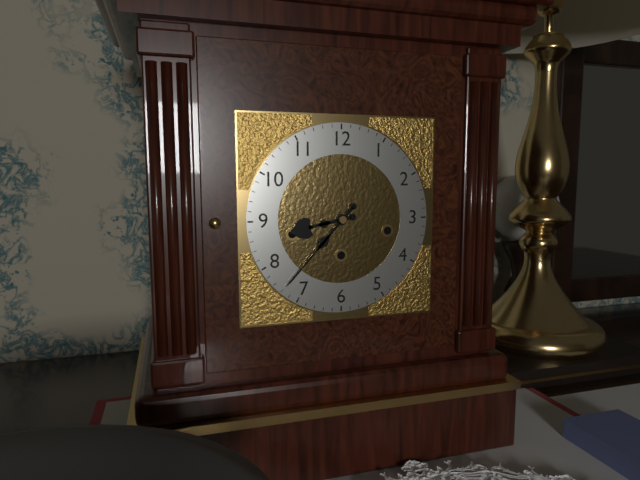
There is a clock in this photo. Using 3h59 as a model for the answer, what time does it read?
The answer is 8h37
